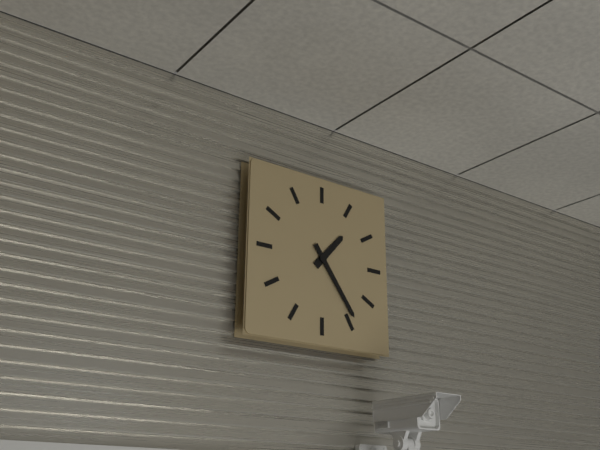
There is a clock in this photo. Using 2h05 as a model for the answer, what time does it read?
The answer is 1h24
